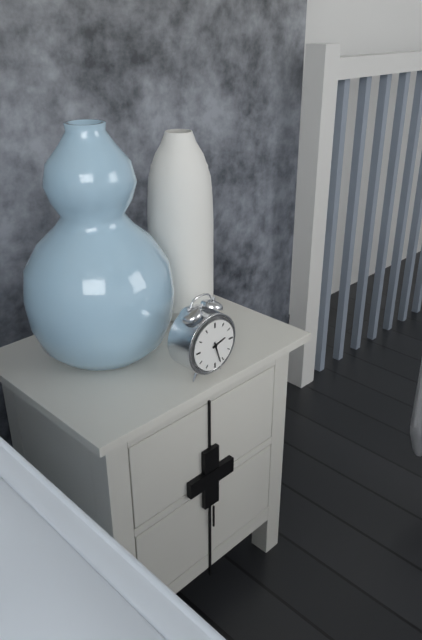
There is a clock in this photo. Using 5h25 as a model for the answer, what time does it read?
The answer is 2h27
